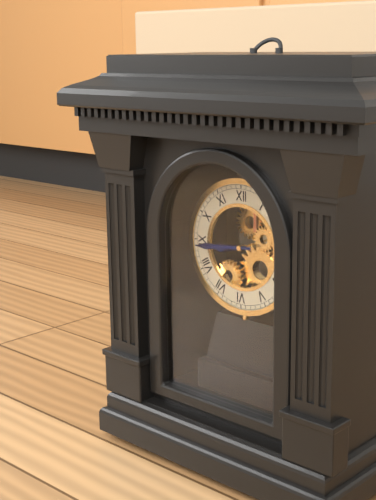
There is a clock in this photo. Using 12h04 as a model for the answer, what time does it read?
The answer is 8h44
